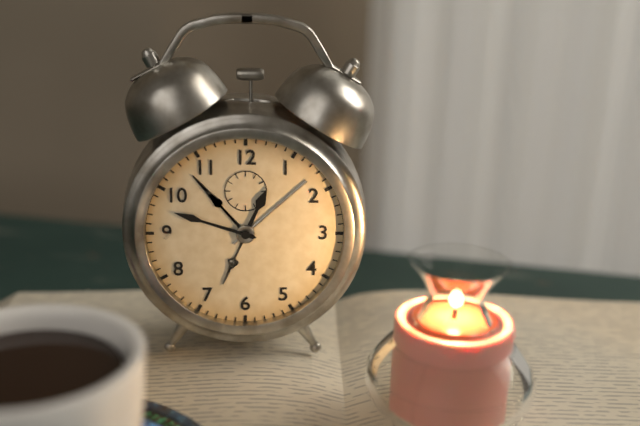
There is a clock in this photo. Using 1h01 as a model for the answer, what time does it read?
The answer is 12h48
